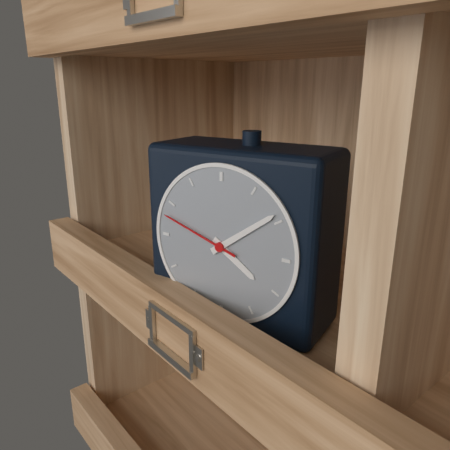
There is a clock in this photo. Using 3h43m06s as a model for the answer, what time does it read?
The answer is 4h09m48s
